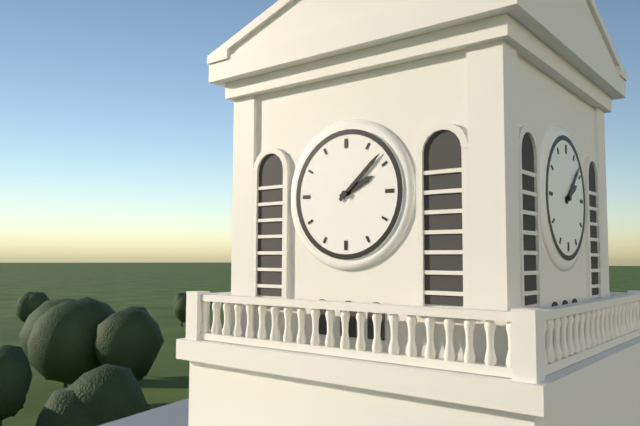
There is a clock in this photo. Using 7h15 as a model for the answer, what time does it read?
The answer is 2h08
